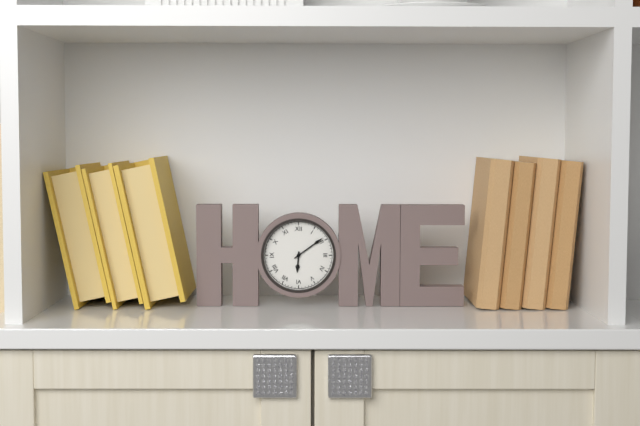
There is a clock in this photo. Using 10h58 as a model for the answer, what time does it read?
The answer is 6h09
